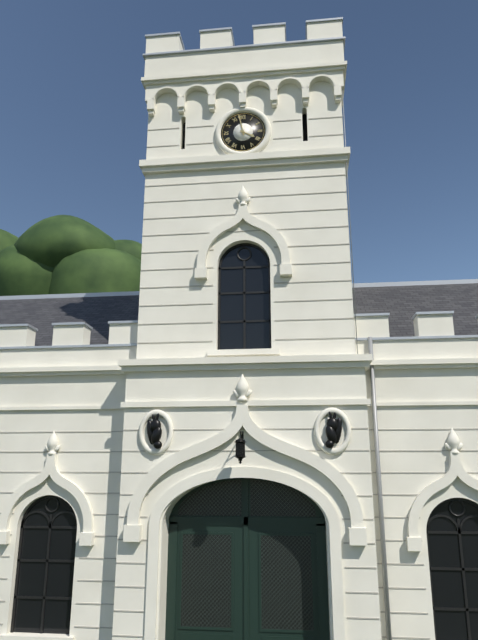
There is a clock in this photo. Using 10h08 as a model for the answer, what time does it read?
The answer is 3h58
